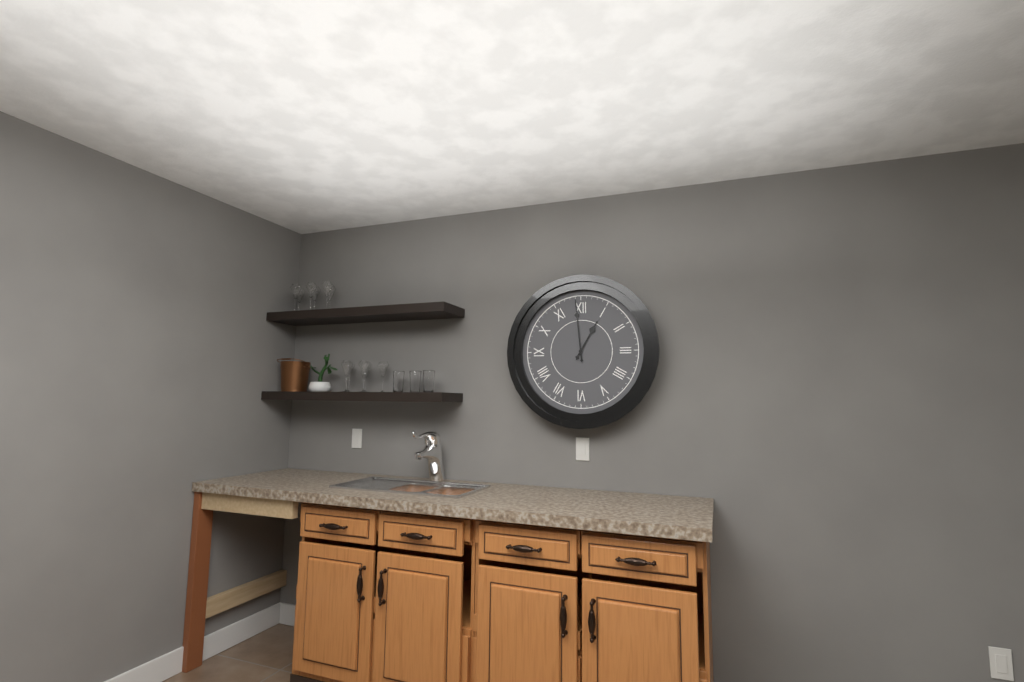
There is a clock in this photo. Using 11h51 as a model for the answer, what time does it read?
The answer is 12h59
